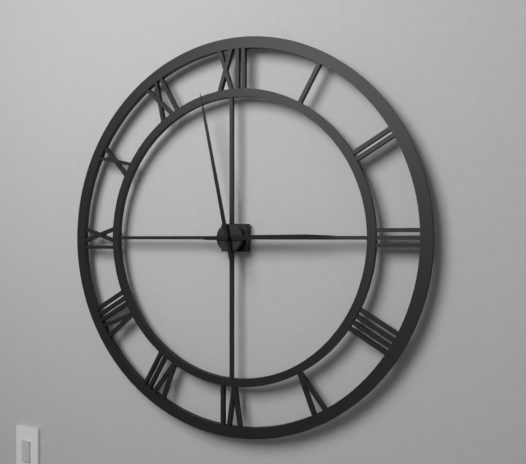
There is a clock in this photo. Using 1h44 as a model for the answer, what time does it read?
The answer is 2h58
